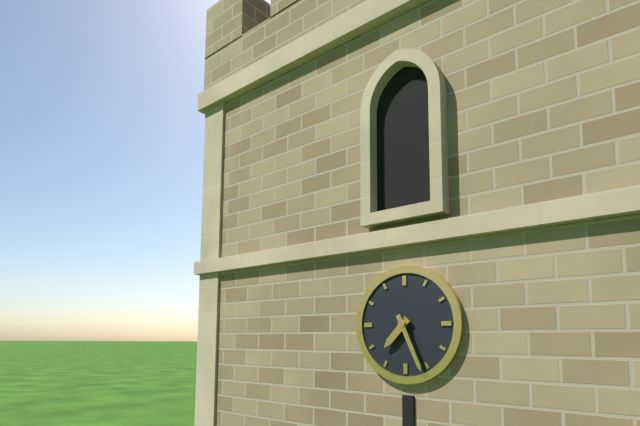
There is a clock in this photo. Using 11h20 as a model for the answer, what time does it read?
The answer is 7h26
